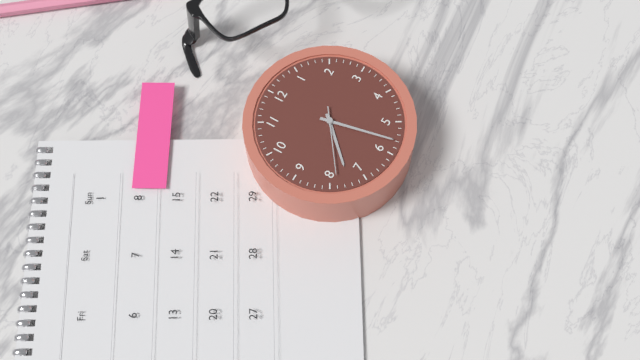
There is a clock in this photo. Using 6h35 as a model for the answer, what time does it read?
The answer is 7h28
